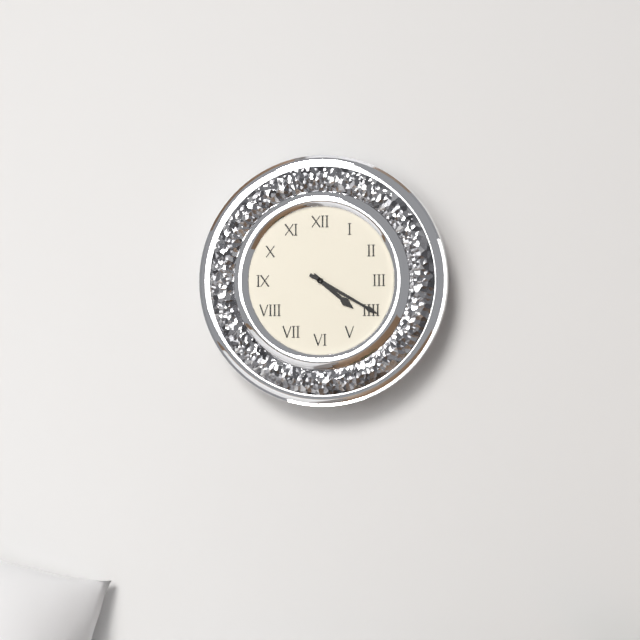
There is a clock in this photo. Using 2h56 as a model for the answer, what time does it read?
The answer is 4h20
